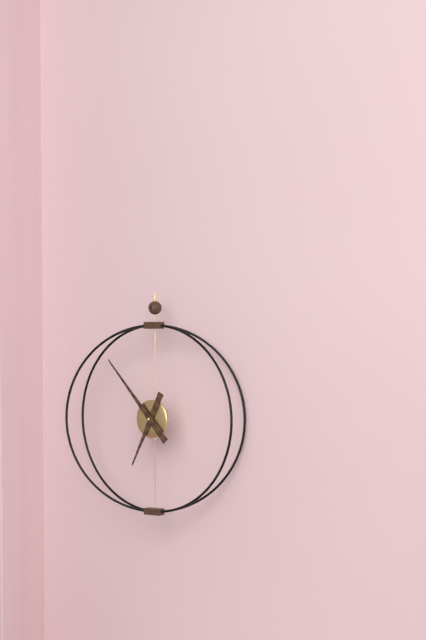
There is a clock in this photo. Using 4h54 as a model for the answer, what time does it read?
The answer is 6h53
